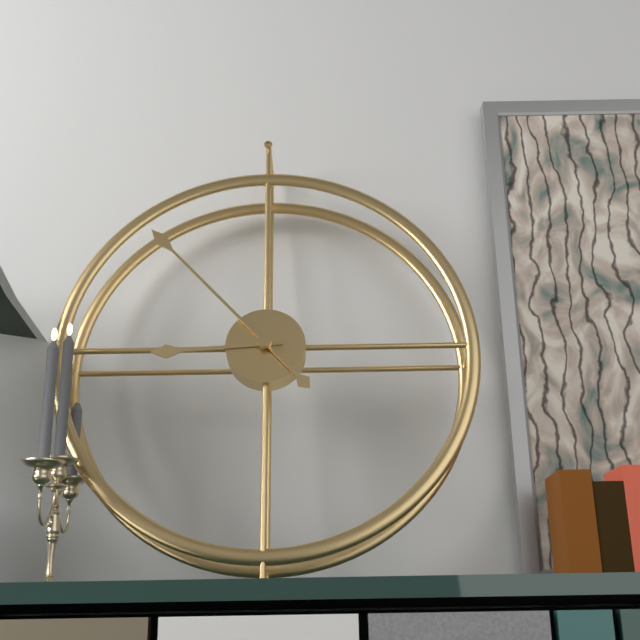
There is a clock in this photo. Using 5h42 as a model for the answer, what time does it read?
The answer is 8h53
